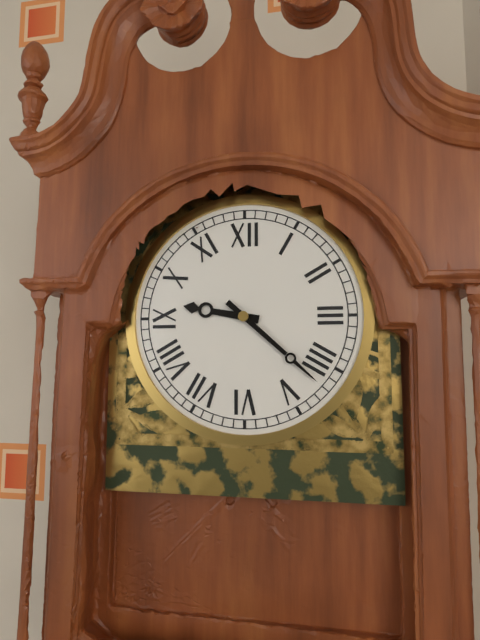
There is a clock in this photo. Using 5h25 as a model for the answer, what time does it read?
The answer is 9h22
